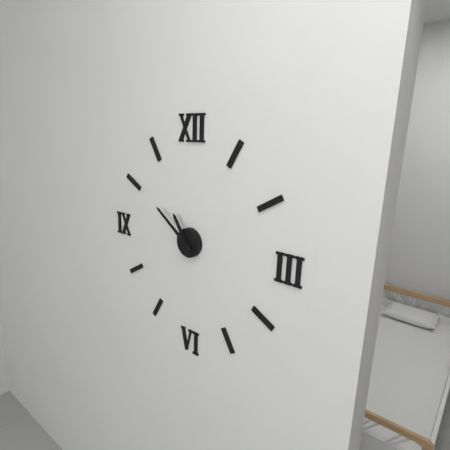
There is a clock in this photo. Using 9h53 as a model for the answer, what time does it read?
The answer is 10h51
